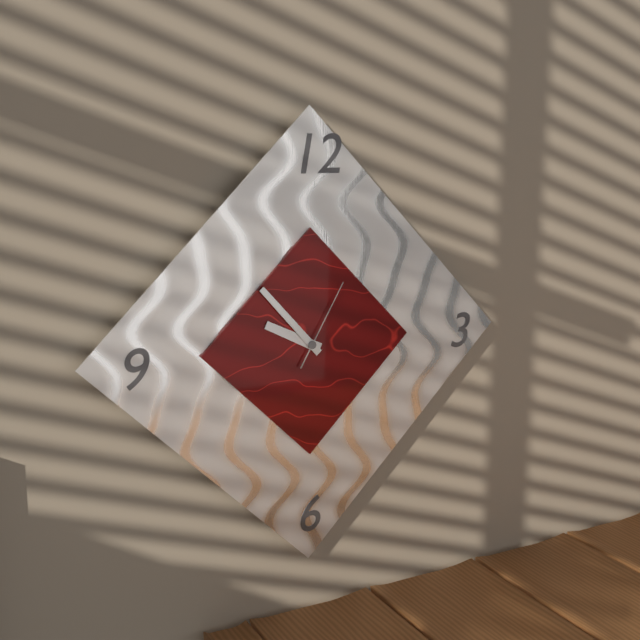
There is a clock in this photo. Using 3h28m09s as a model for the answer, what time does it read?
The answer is 9h53m05s
